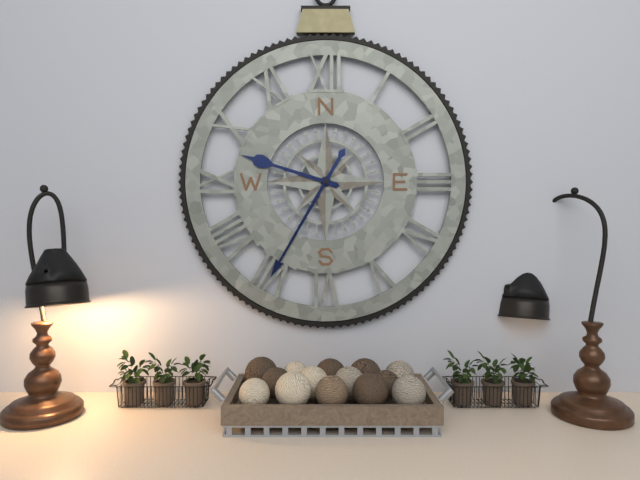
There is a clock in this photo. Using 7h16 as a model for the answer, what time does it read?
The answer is 9h35
